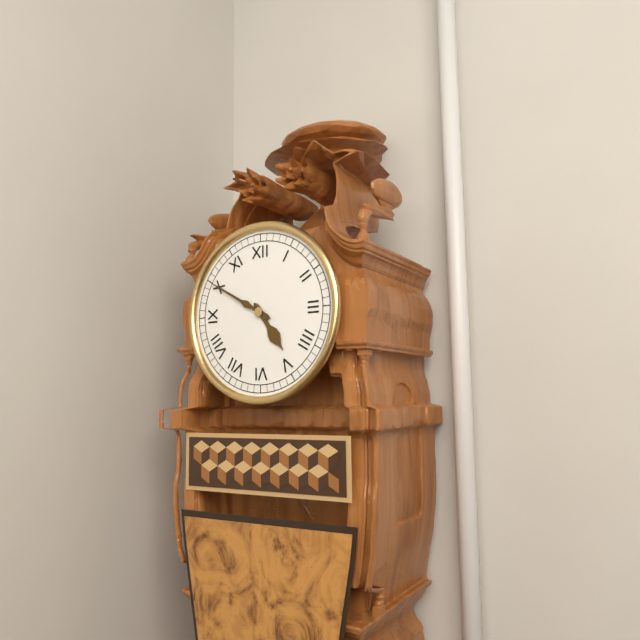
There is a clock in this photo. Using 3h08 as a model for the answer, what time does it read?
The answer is 4h50
